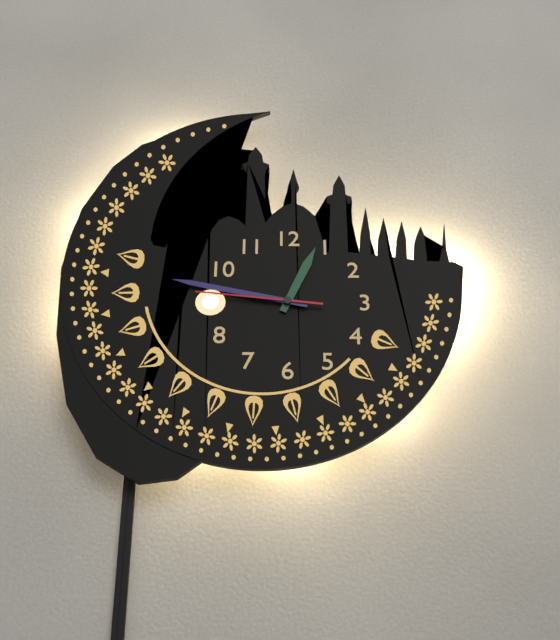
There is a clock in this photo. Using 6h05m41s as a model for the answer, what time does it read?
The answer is 12h47m46s
